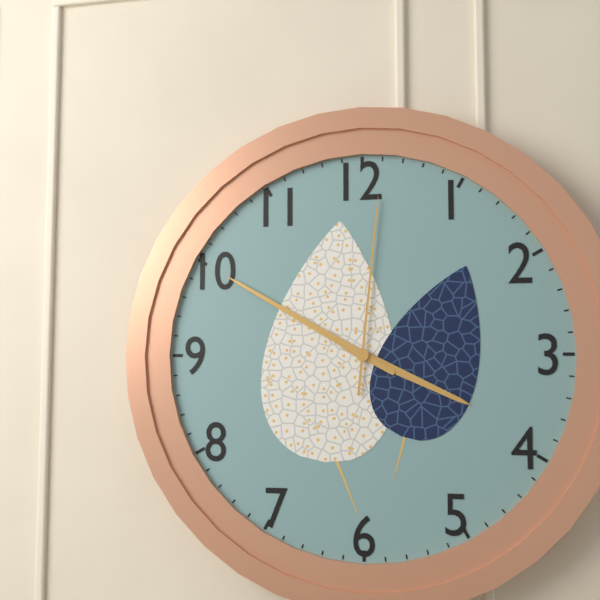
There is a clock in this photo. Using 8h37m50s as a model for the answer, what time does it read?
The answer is 3h50m01s
